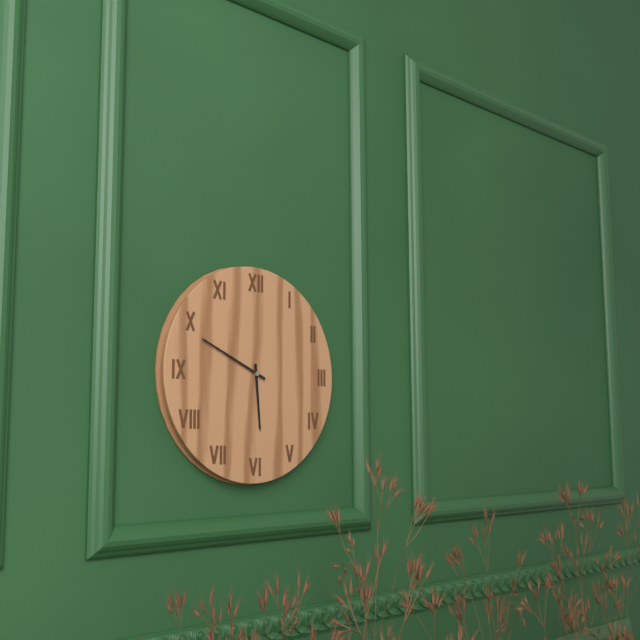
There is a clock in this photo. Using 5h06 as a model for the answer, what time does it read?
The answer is 5h49
